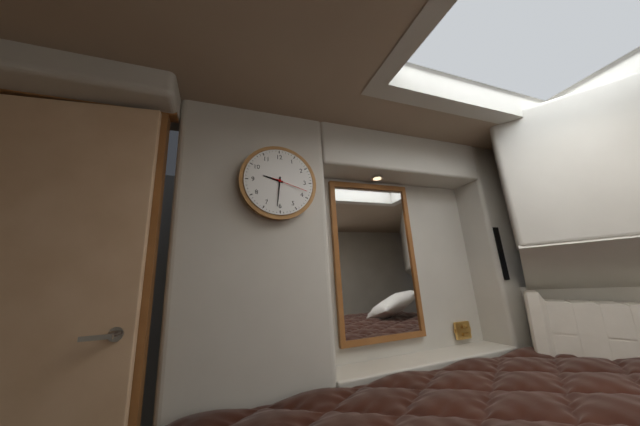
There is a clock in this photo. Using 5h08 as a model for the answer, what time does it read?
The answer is 9h31
